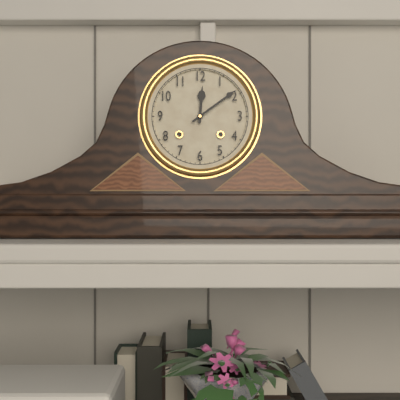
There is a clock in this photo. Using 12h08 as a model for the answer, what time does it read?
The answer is 12h09
